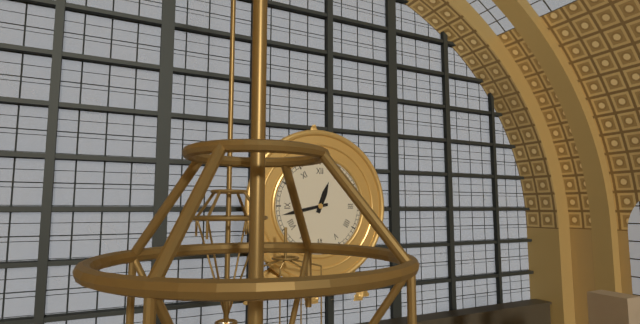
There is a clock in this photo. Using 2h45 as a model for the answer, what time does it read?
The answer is 12h43
